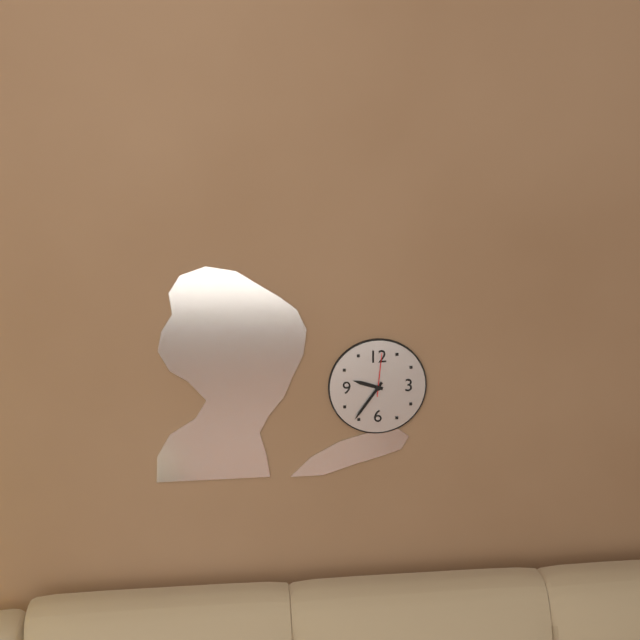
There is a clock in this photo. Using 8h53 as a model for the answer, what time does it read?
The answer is 9h36
